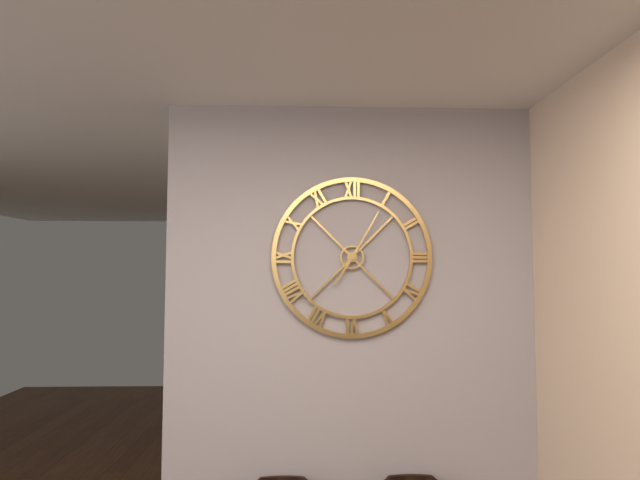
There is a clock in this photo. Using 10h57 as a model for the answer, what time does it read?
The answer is 7h05
